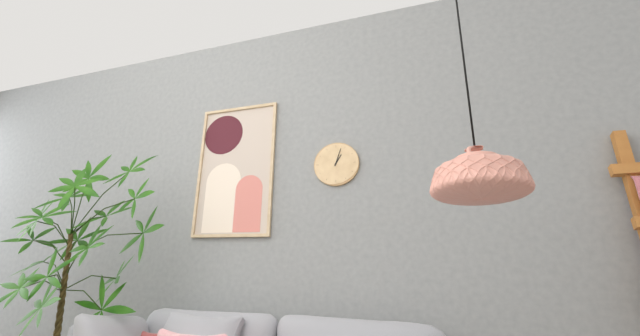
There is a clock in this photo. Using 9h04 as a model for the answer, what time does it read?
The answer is 1h03
